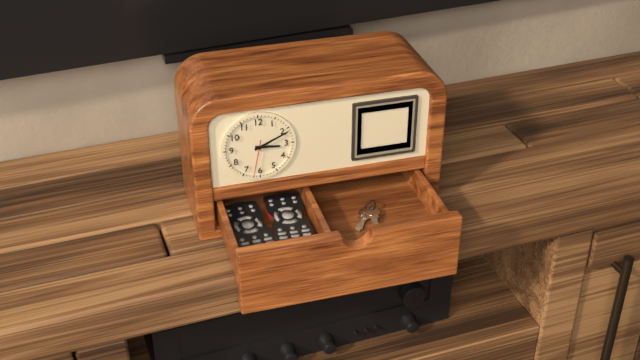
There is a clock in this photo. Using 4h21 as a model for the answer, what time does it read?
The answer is 3h11
